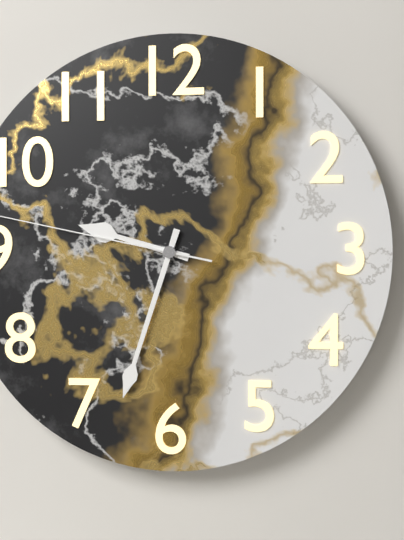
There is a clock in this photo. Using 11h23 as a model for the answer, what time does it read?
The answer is 9h33
